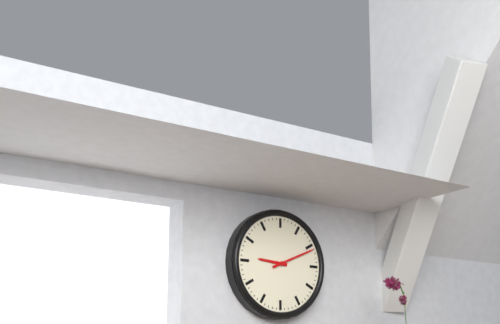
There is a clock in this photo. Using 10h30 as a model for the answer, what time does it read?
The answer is 9h11
